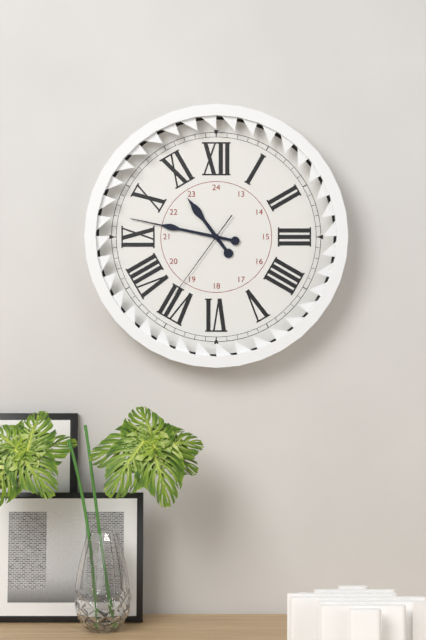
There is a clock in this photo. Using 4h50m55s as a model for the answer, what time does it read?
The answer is 10h47m36s
